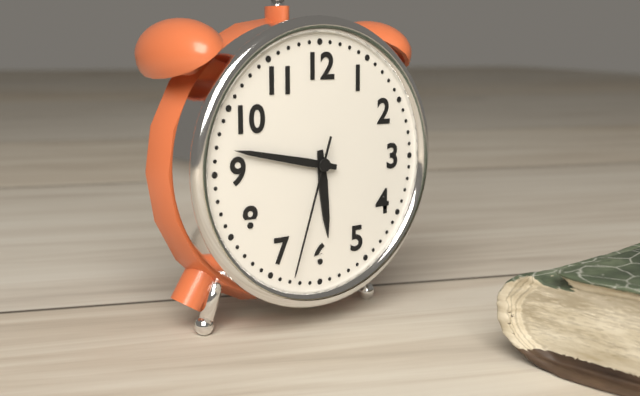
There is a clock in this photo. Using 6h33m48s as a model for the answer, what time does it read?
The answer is 5h47m33s
